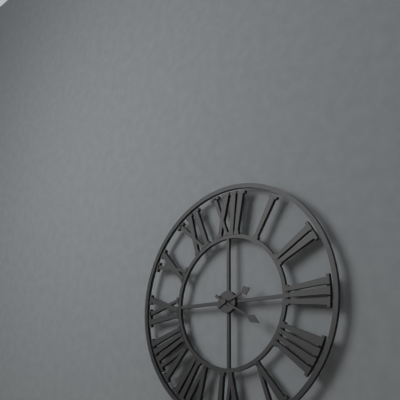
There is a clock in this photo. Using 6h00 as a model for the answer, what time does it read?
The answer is 2h20
